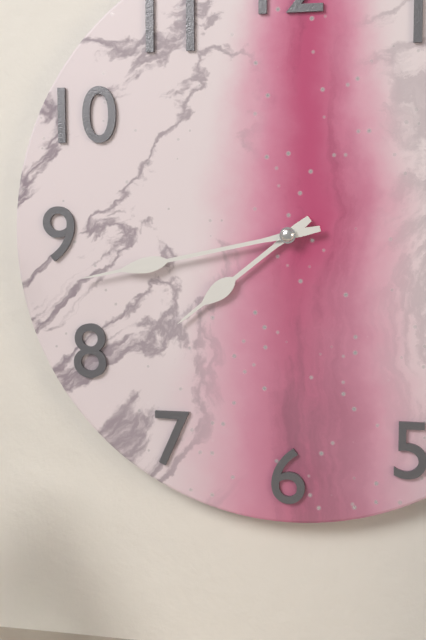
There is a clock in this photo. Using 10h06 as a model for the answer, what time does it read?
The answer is 7h43
